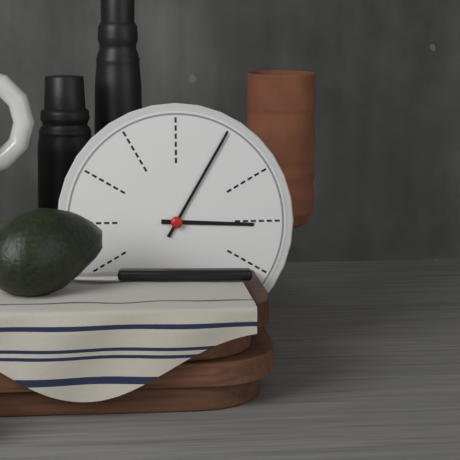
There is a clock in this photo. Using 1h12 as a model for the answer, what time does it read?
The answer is 3h05
